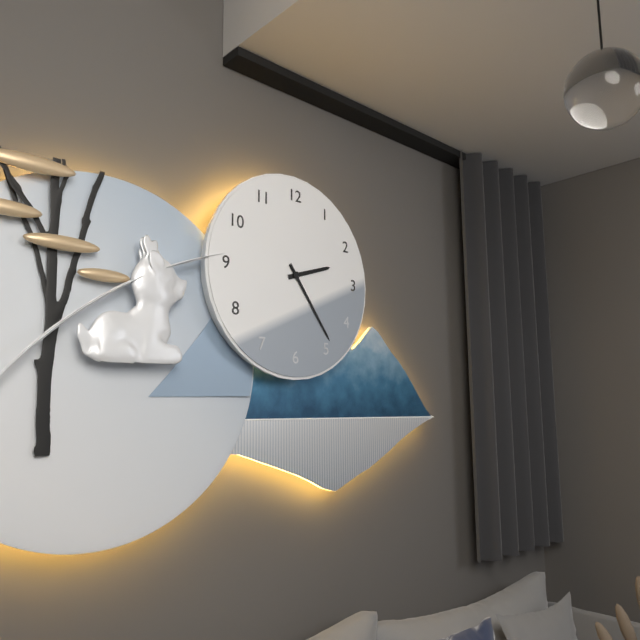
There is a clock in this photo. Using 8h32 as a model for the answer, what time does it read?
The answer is 2h24
